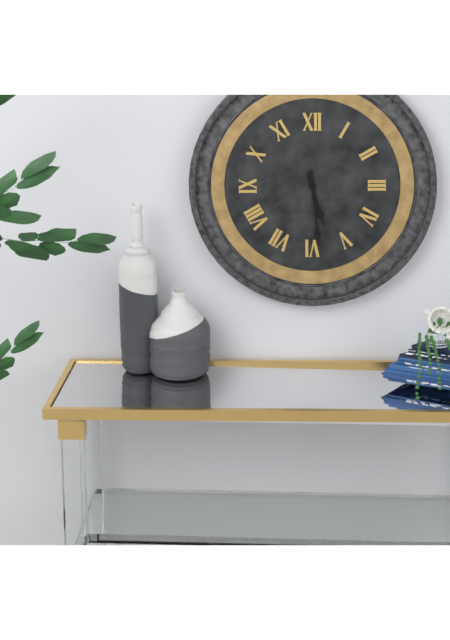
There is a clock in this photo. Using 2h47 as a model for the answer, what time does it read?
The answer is 5h29
